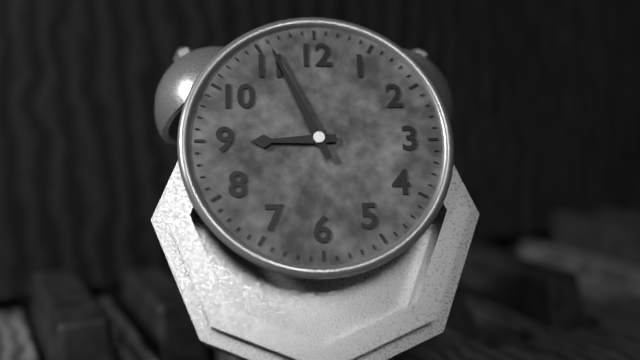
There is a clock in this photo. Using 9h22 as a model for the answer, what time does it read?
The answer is 8h56
